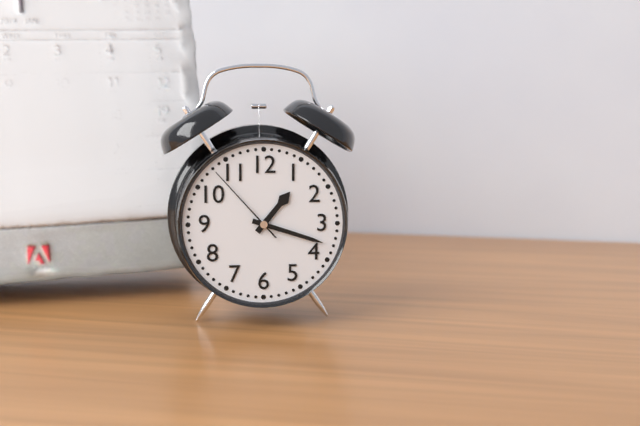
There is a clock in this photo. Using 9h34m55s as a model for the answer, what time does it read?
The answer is 1h18m53s
